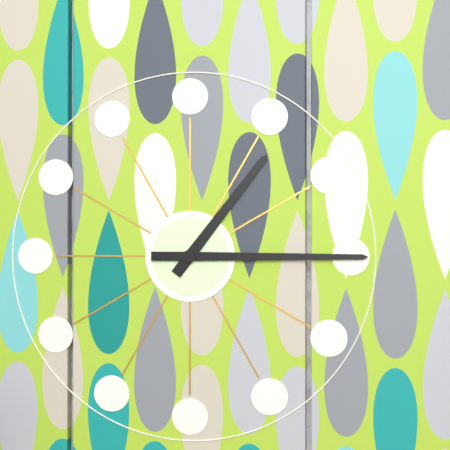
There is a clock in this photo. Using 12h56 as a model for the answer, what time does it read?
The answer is 1h15
